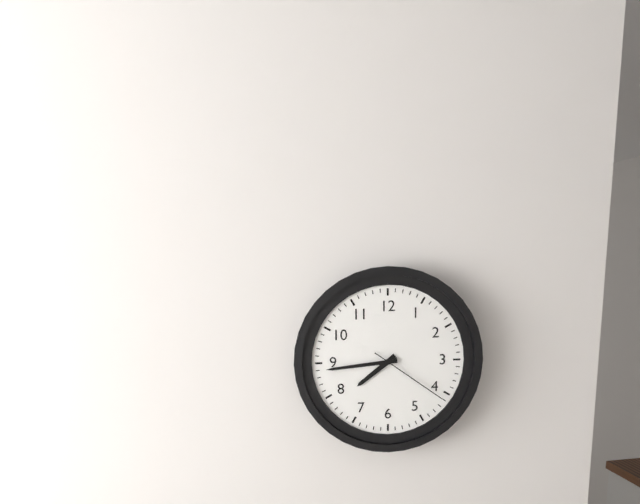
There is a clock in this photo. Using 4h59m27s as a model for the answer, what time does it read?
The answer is 7h44m21s
